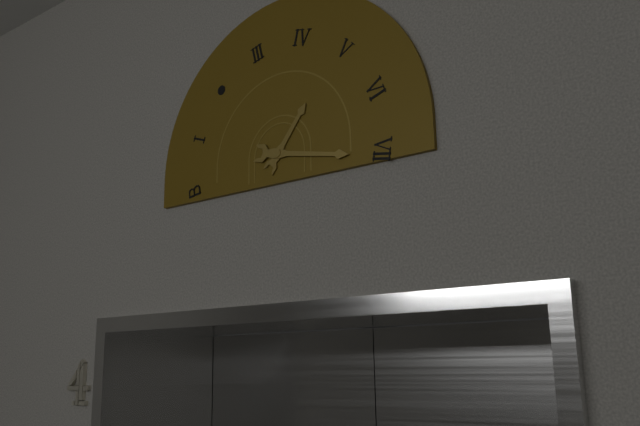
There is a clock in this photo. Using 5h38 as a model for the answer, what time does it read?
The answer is 1h17
